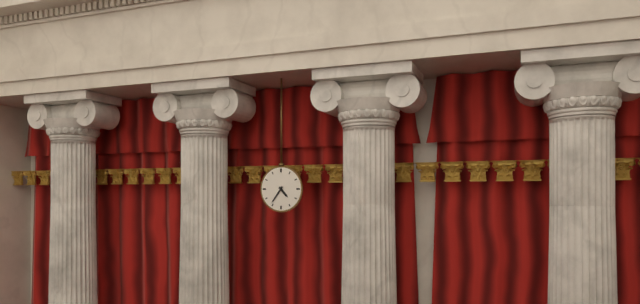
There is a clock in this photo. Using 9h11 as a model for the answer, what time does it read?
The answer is 4h36
